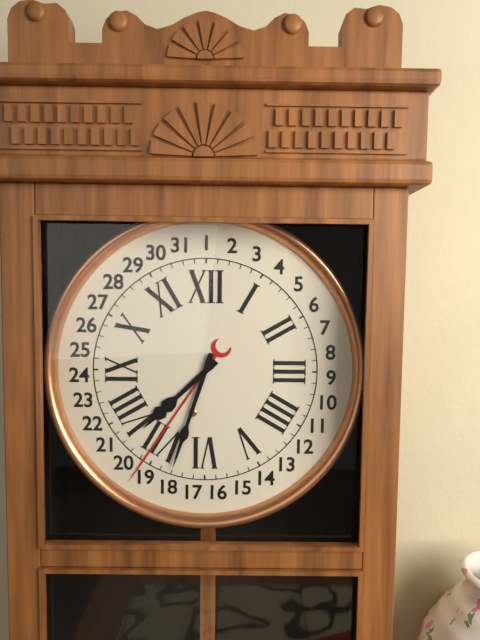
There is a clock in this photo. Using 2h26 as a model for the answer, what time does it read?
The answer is 7h33
